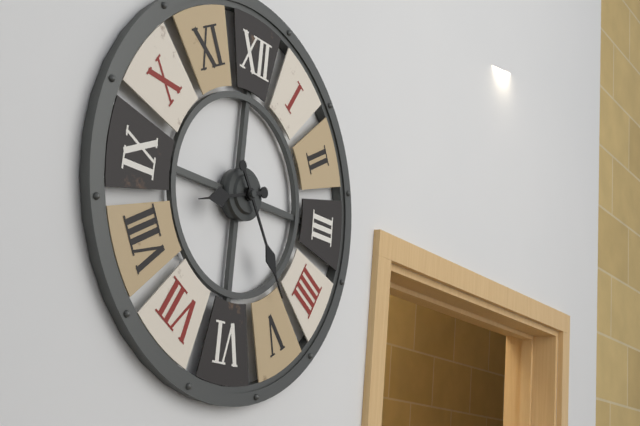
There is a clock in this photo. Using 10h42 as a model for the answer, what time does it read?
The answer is 8h24
